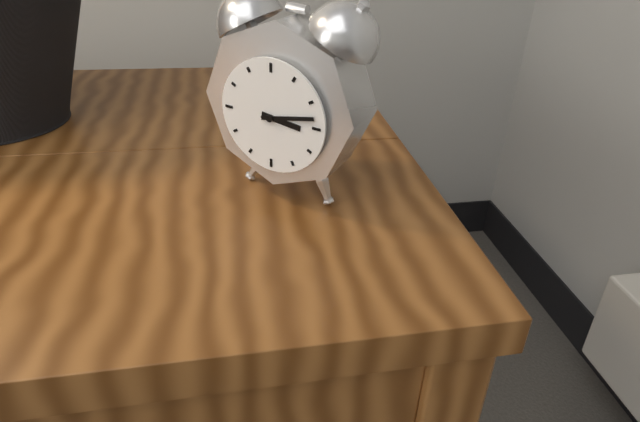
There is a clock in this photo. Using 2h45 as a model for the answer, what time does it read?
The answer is 3h13
